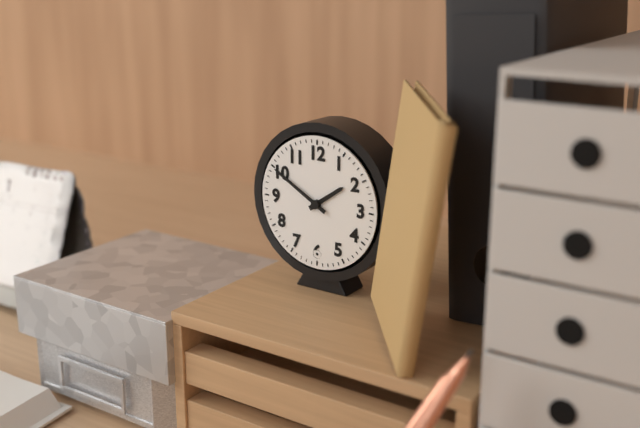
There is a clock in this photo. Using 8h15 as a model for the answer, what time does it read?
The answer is 1h50
